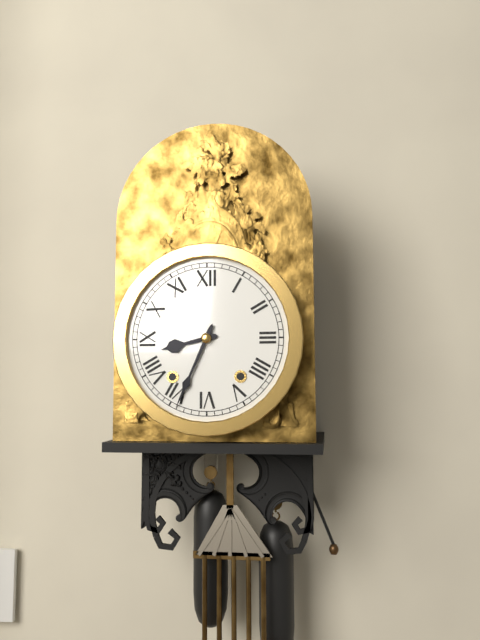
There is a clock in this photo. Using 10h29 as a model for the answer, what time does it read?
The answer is 8h34
